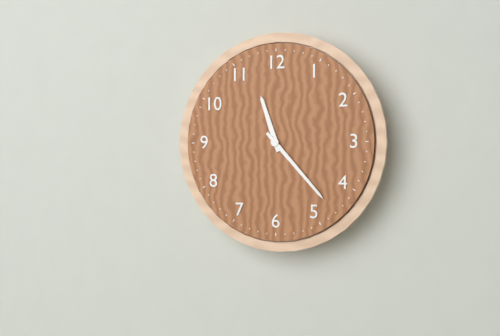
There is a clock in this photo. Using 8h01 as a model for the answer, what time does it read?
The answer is 11h23
